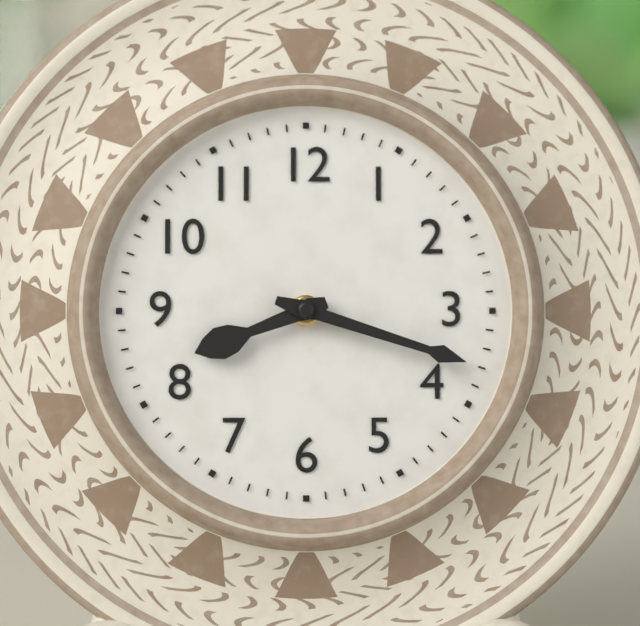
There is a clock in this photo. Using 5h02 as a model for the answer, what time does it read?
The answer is 8h18
